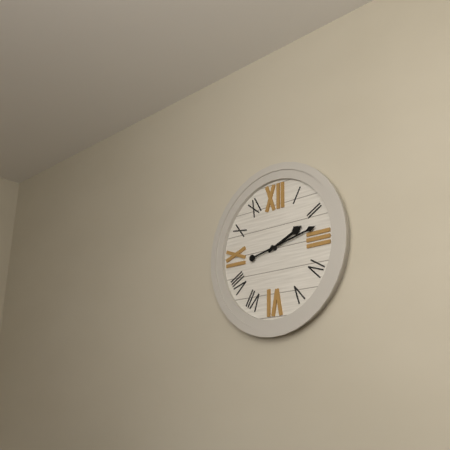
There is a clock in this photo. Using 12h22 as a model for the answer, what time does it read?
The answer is 2h13
